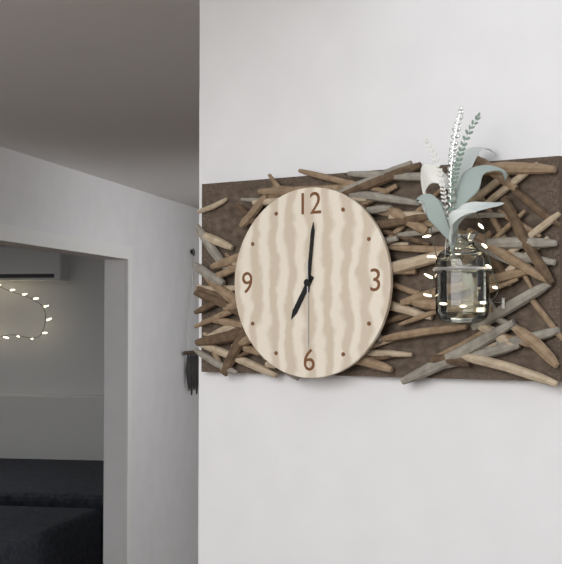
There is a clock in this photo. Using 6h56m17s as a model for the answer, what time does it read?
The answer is 7h01m30s
